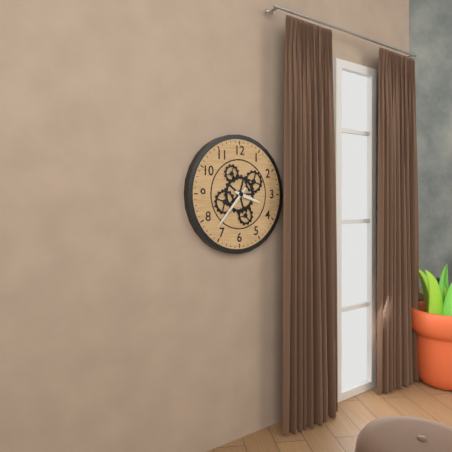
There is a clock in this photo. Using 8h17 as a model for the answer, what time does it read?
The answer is 3h37
